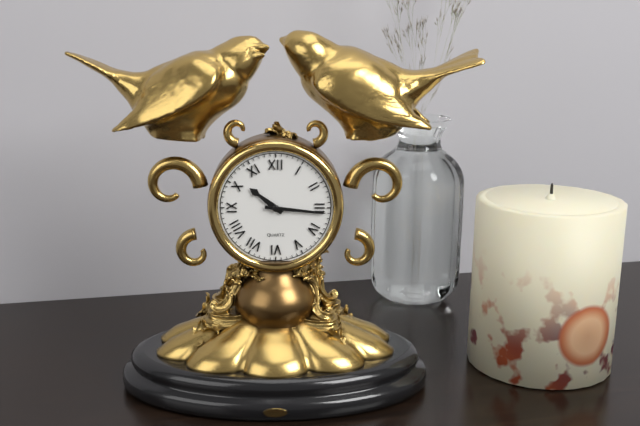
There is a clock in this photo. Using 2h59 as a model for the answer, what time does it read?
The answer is 10h16
